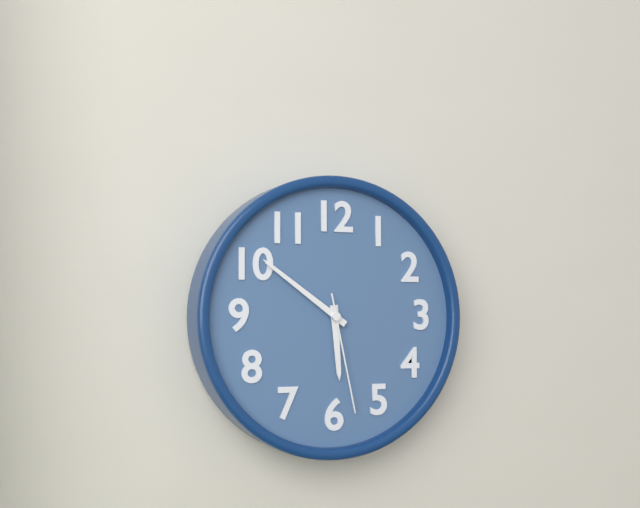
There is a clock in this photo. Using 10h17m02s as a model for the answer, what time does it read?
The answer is 5h51m28s
